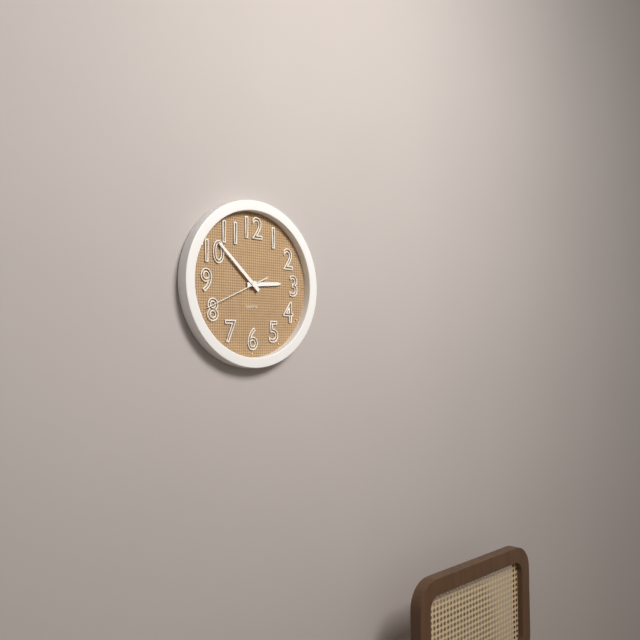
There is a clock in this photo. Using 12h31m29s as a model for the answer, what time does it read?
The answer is 2h52m41s
